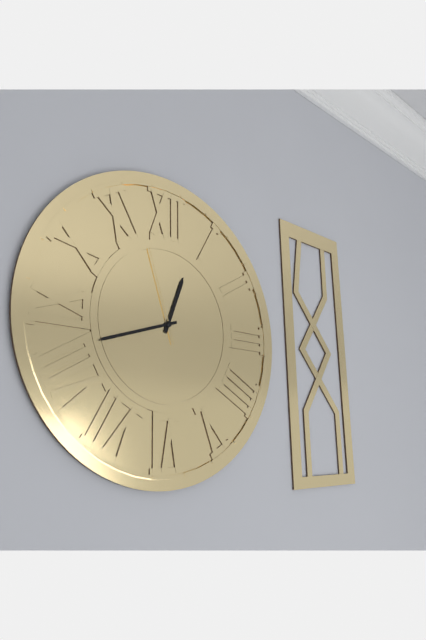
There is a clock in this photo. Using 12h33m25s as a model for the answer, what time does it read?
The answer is 12h42m57s
